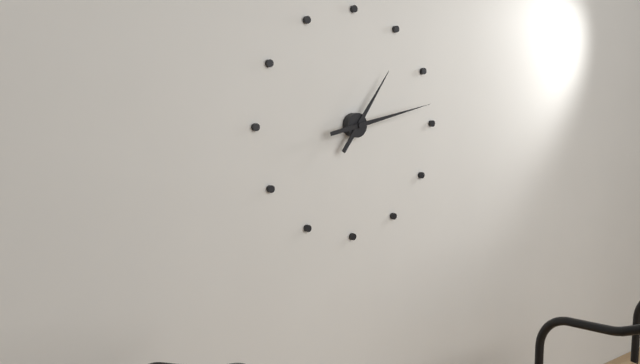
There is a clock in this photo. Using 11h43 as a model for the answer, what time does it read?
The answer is 1h13
